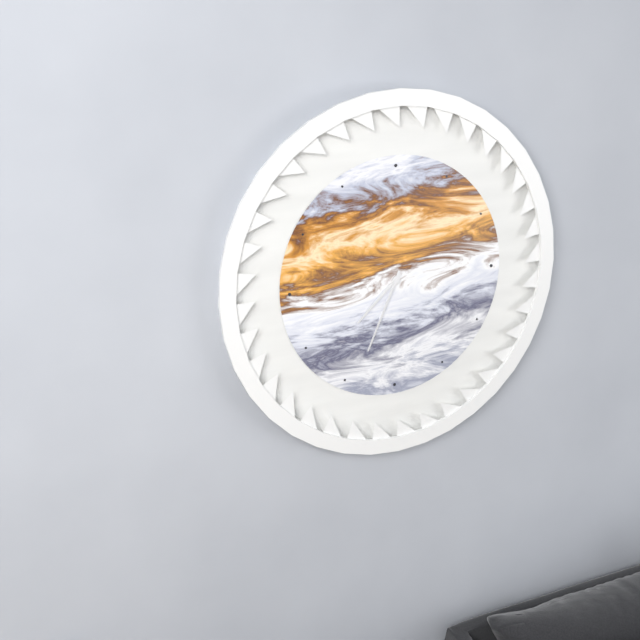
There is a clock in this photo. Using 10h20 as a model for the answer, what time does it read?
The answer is 7h34
